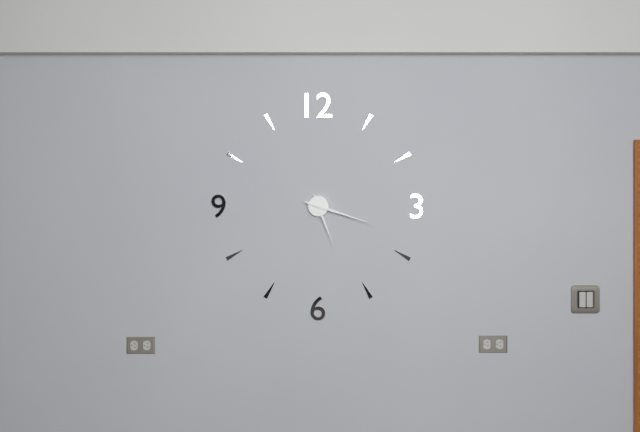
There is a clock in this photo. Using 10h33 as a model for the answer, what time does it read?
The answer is 5h18
